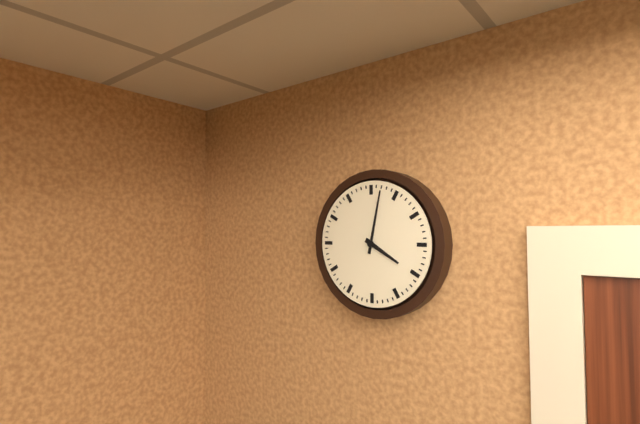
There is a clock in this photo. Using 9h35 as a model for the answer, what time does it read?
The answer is 4h02
